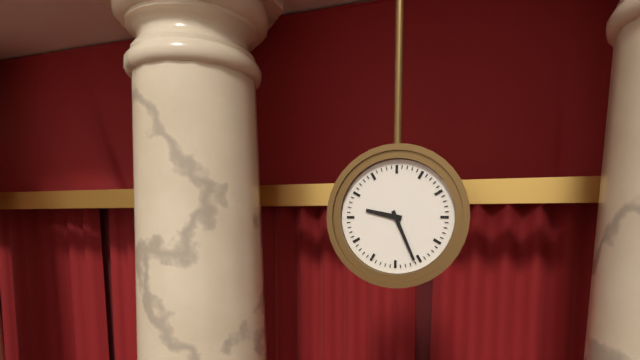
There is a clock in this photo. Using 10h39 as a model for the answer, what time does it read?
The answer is 9h26
